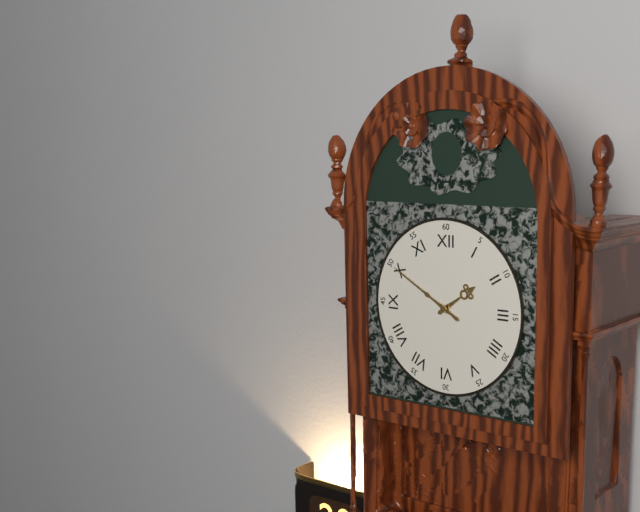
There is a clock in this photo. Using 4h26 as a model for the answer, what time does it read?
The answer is 1h50
